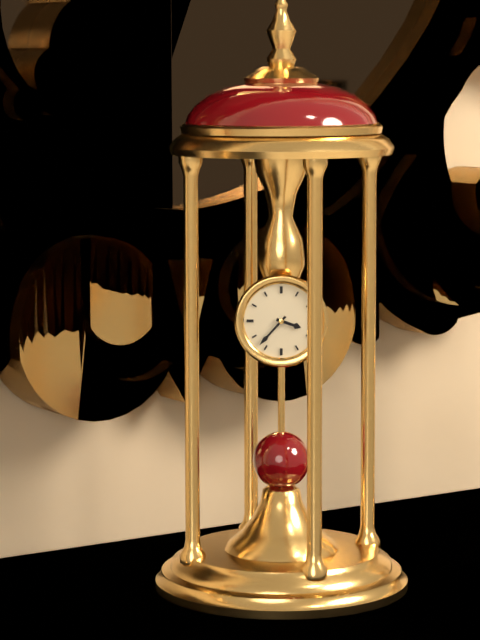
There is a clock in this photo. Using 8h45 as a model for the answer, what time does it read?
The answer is 3h37
